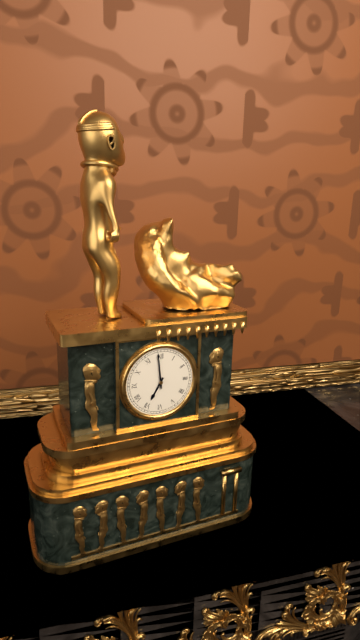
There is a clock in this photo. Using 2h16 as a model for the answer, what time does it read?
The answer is 6h59
